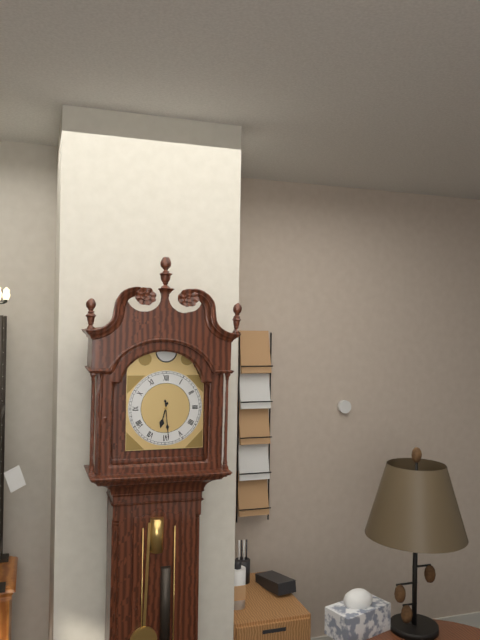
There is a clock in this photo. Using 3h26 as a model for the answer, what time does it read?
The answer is 6h29
